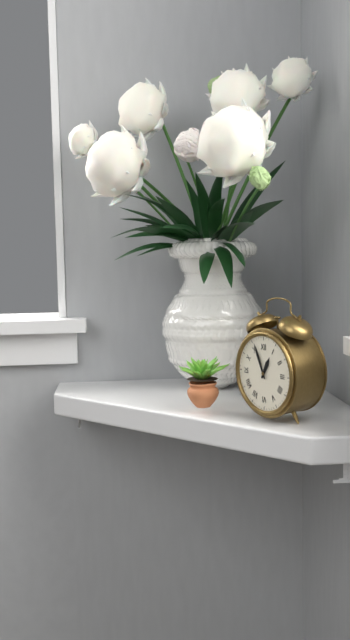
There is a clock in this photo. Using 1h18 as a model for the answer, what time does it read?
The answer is 12h56
